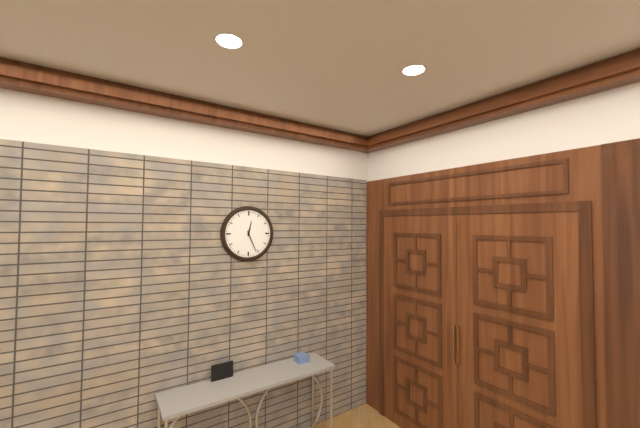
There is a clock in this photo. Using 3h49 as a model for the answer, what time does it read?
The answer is 12h26
